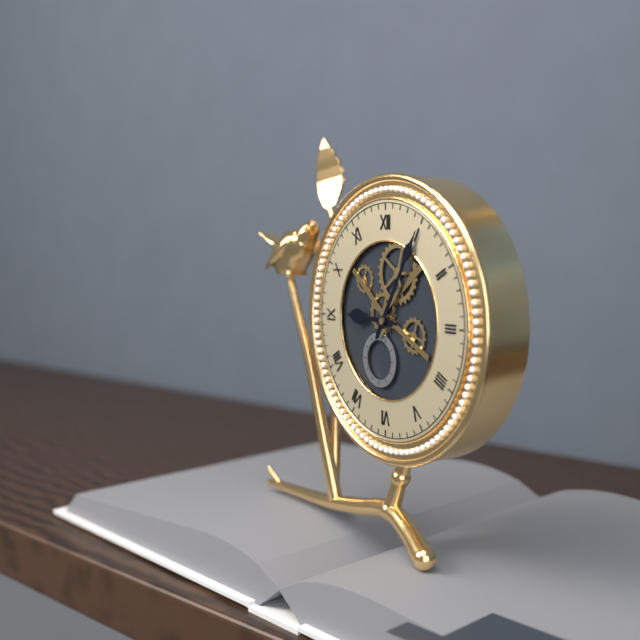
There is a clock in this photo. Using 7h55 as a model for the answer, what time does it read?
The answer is 9h05
